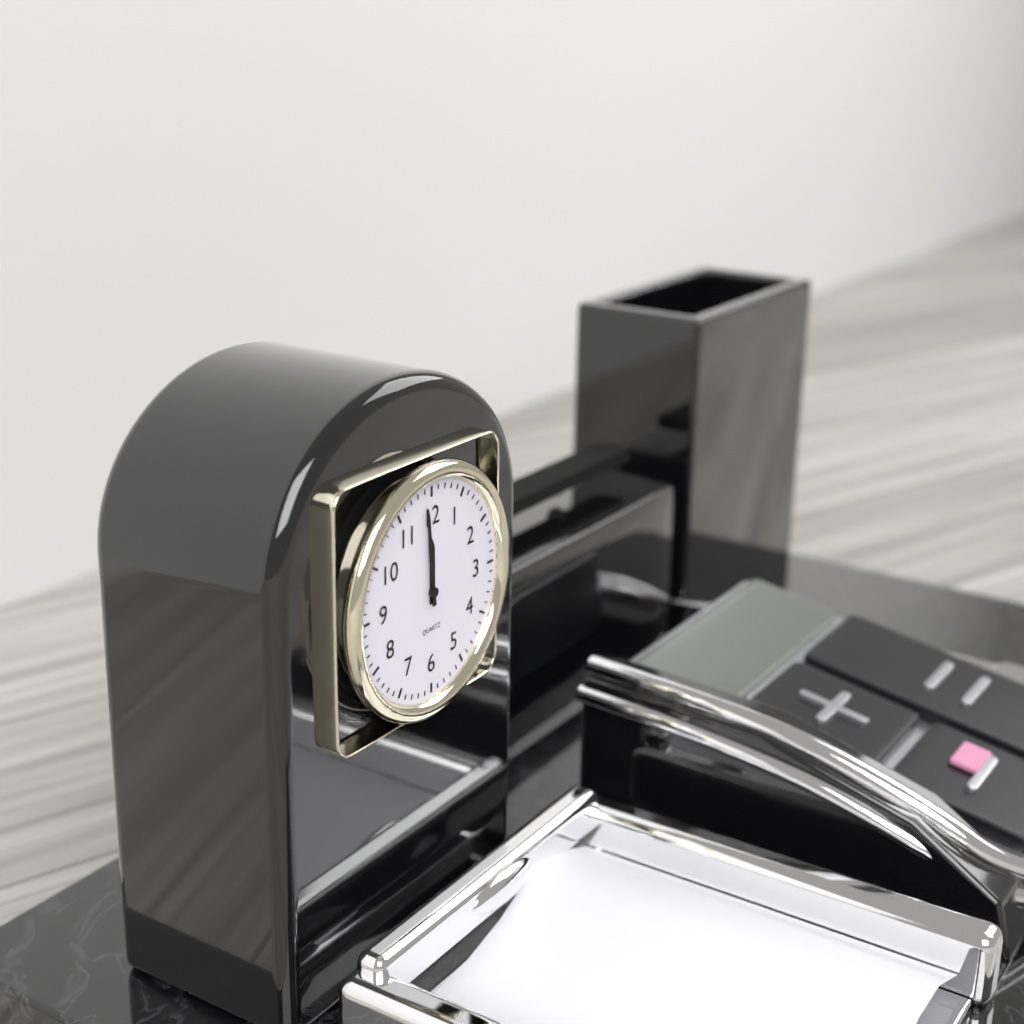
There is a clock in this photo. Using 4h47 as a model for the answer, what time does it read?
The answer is 11h59
